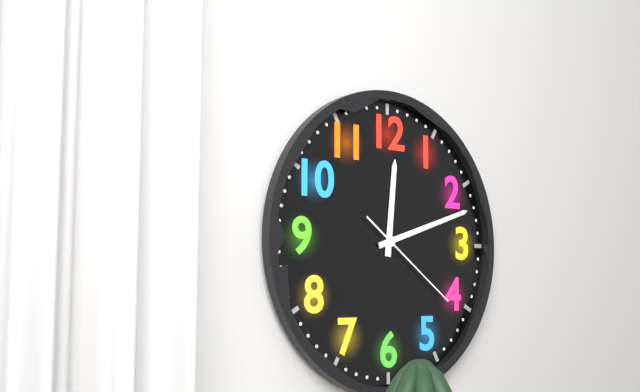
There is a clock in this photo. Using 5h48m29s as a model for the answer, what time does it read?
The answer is 12h12m21s
